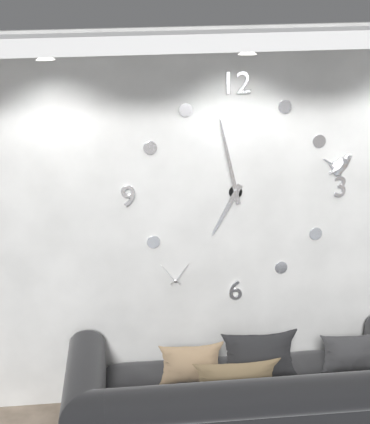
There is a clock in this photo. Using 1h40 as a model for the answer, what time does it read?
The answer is 6h58
